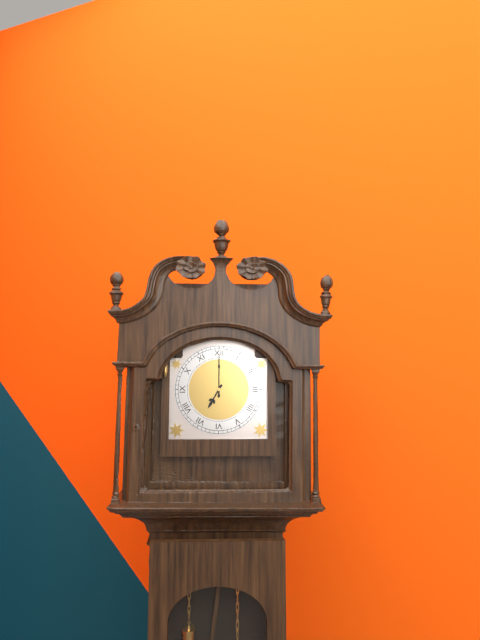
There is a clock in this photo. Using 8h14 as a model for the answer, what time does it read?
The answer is 7h00
